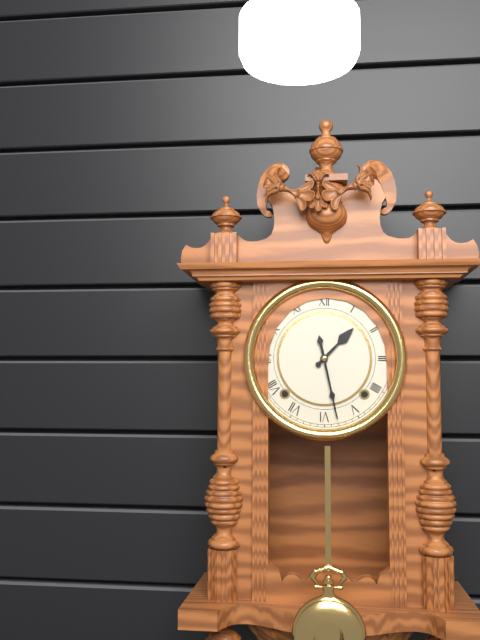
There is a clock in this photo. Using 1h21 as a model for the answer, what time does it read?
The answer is 1h28
